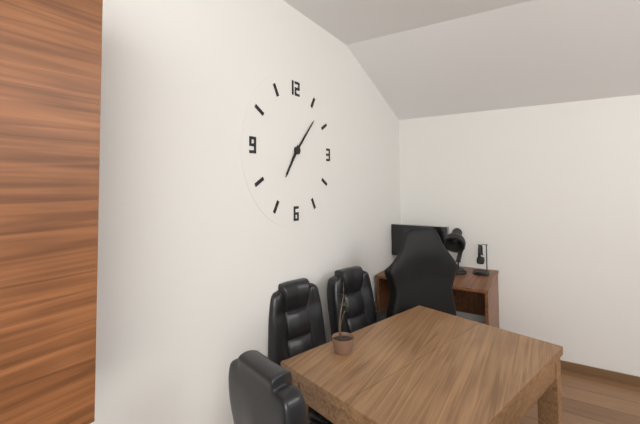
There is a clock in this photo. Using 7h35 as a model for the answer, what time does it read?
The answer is 7h07
